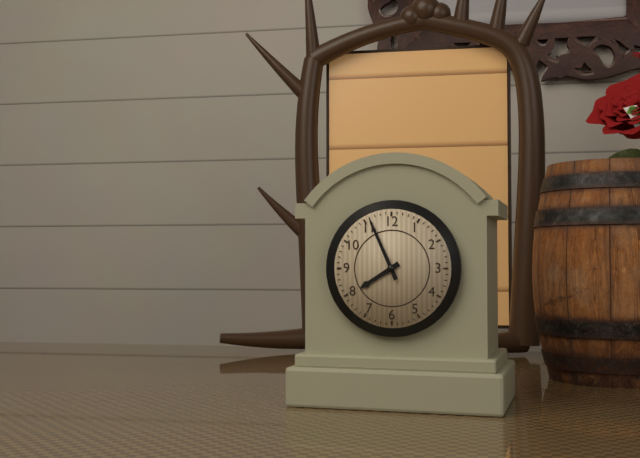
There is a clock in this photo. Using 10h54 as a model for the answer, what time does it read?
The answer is 7h56
